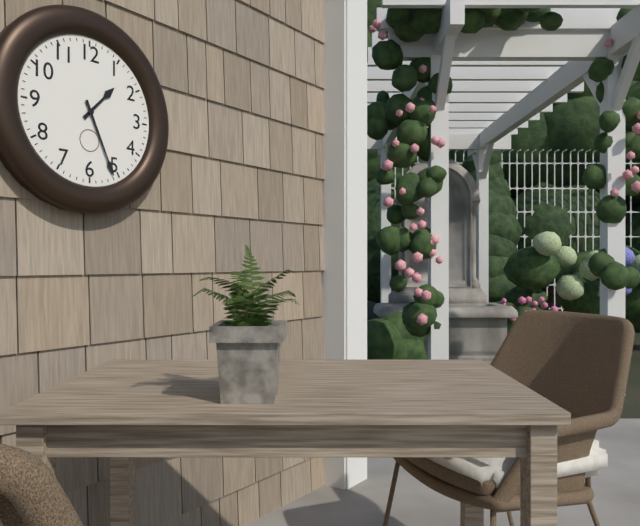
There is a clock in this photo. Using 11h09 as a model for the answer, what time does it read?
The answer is 1h26
